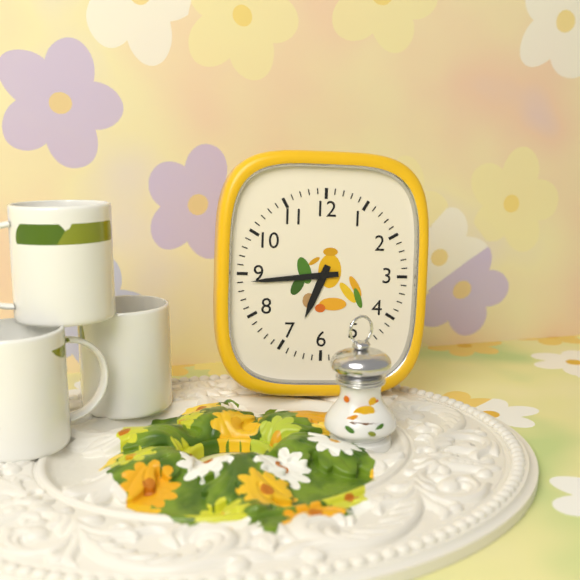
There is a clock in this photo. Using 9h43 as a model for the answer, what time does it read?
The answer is 6h44
